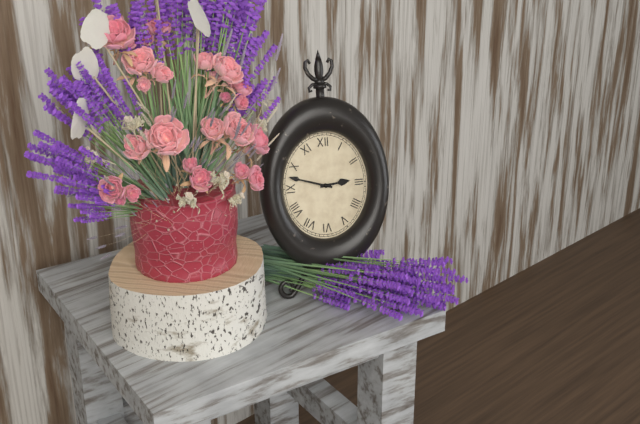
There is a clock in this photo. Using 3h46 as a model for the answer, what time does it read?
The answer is 2h48
